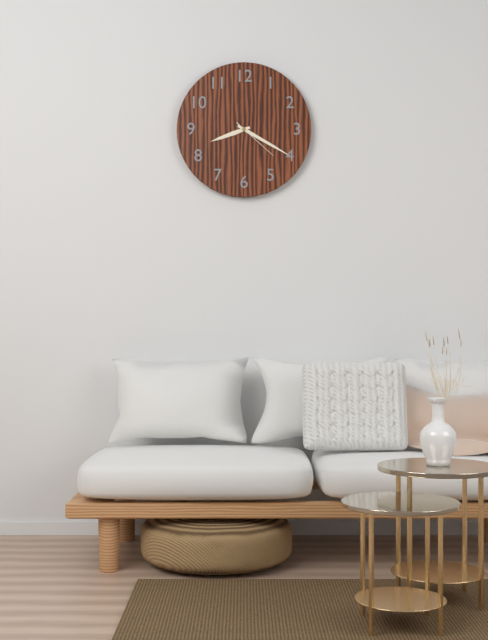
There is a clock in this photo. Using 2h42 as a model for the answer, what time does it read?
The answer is 8h20
